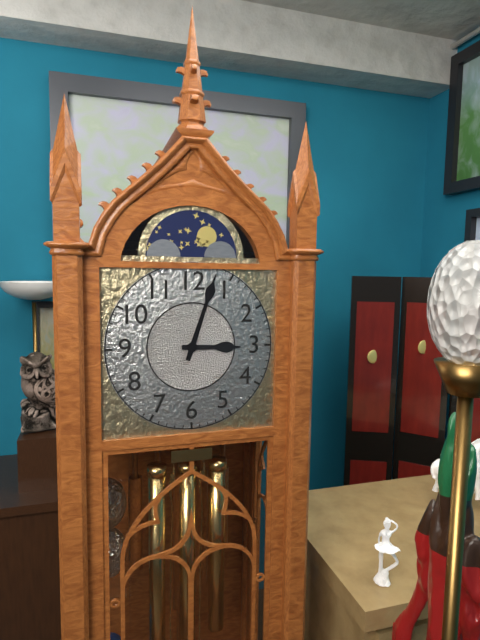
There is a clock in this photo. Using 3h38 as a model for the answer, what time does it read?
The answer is 3h03
